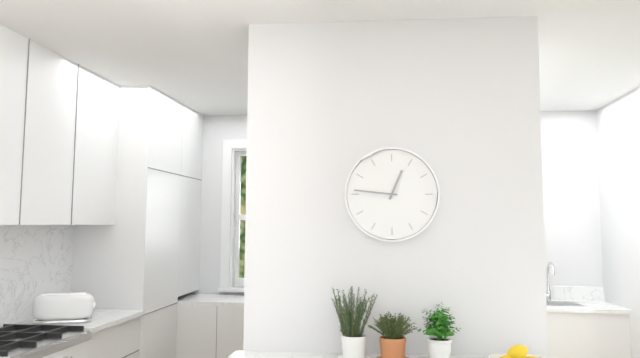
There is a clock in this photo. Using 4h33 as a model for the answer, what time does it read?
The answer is 12h46
